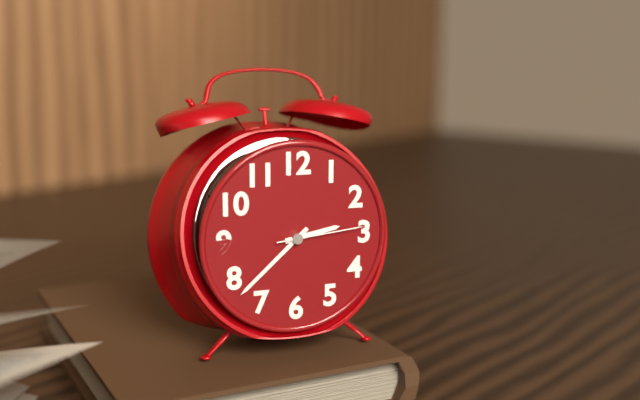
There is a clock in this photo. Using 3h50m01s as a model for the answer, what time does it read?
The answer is 2h38m14s
